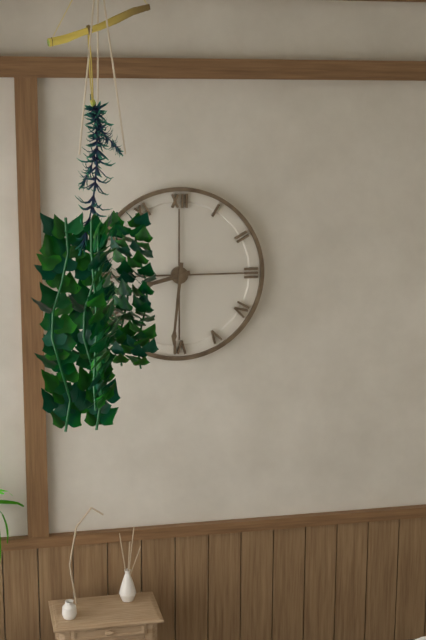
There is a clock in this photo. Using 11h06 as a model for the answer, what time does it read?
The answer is 8h31
